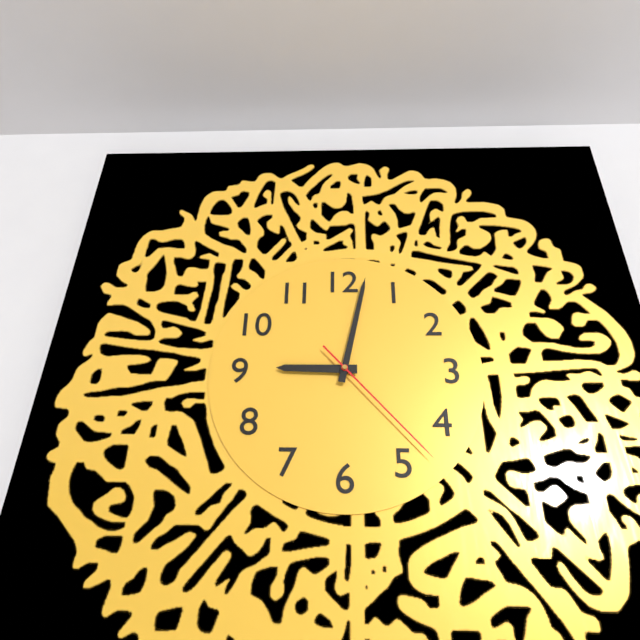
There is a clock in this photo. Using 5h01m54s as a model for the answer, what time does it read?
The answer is 9h02m23s
